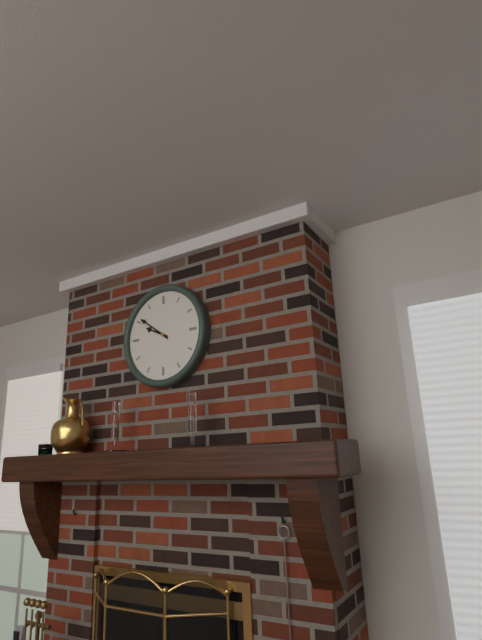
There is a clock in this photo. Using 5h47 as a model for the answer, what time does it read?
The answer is 9h51
